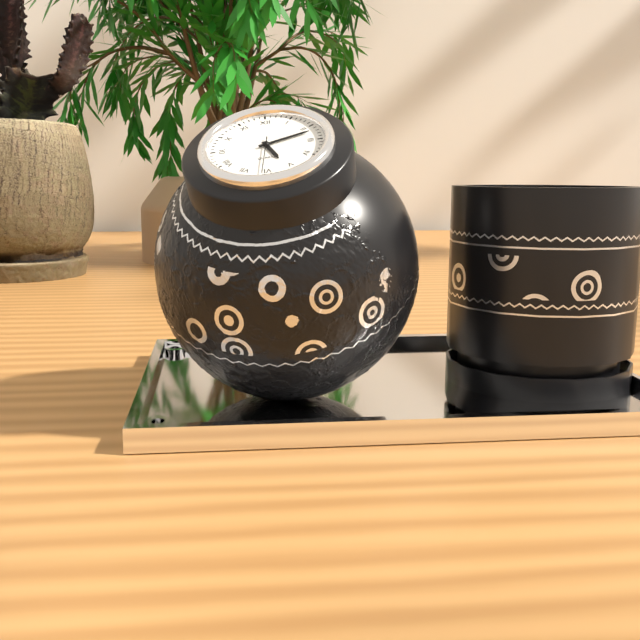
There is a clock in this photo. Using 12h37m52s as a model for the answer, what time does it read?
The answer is 5h12m31s
